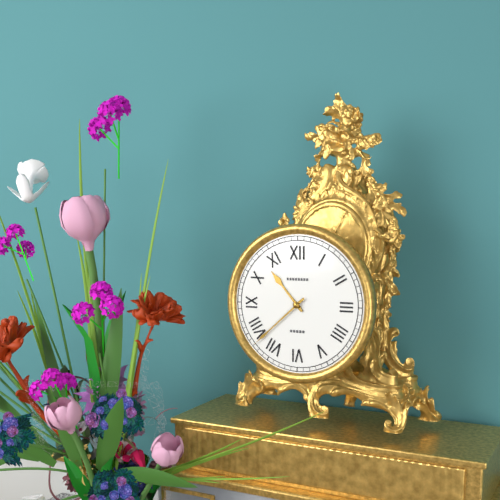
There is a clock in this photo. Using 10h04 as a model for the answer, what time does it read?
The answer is 10h38
